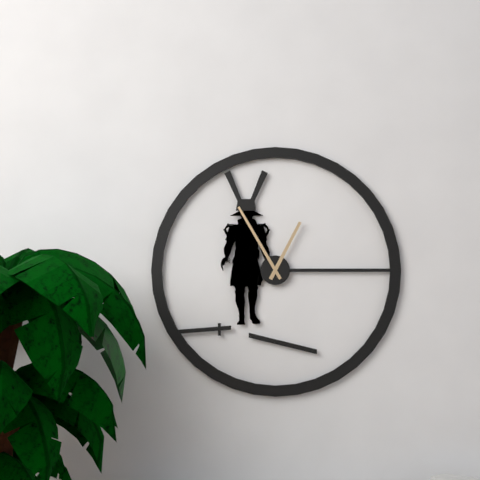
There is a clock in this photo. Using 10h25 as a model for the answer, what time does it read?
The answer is 12h55
